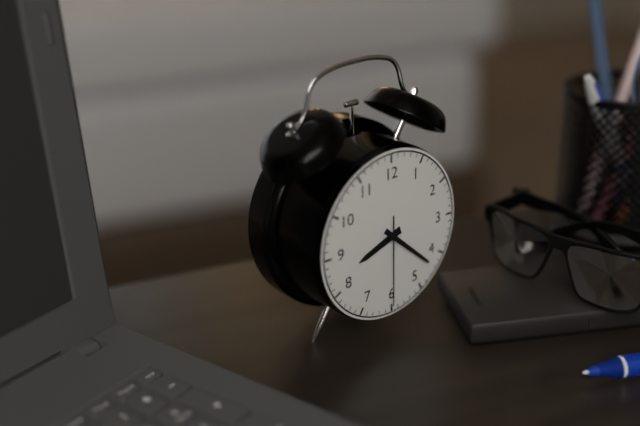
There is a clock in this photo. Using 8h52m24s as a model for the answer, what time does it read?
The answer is 8h22m30s
